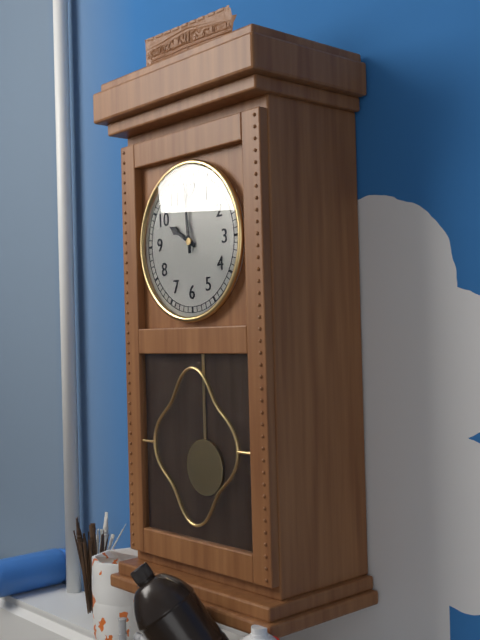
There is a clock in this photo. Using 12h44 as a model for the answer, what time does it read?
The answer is 9h59
